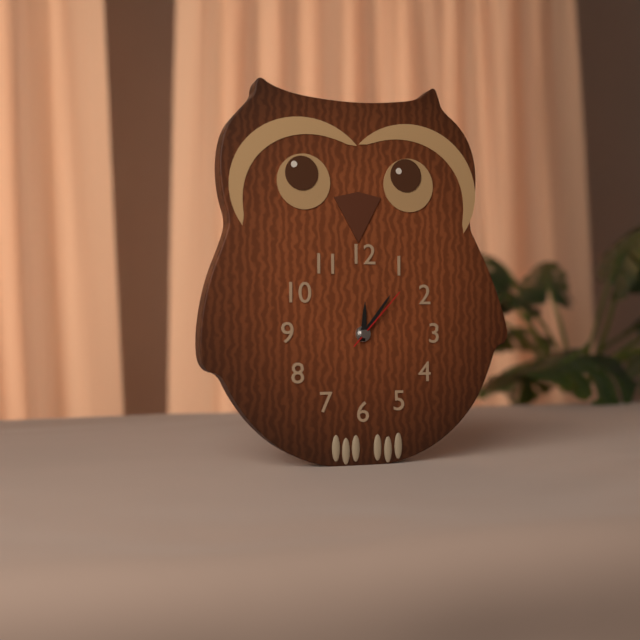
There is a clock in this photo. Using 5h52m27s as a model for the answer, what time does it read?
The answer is 12h06m07s
